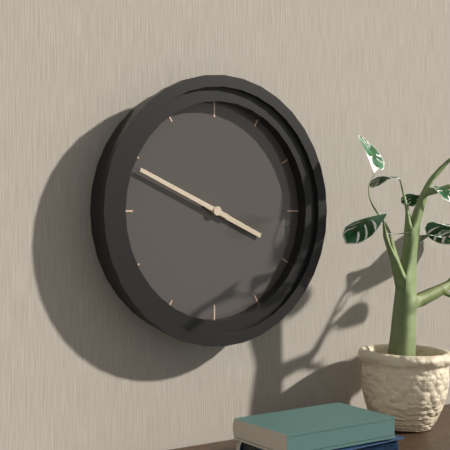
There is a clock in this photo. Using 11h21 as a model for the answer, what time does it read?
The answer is 3h49
